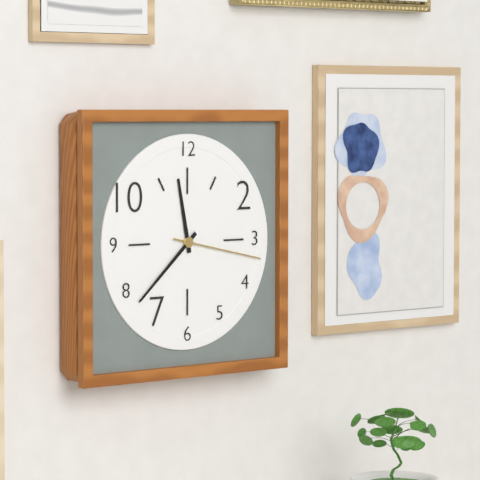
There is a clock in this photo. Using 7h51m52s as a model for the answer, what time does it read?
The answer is 11h38m17s
